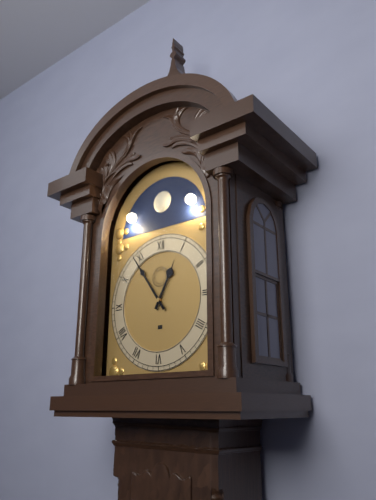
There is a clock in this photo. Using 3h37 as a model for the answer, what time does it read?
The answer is 12h54
